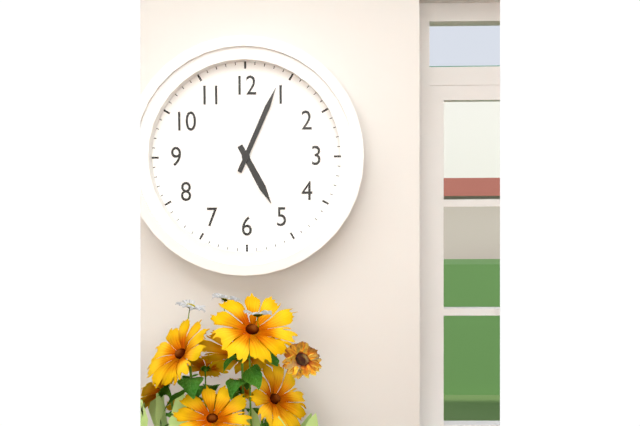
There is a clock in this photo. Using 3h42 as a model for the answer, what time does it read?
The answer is 5h04
